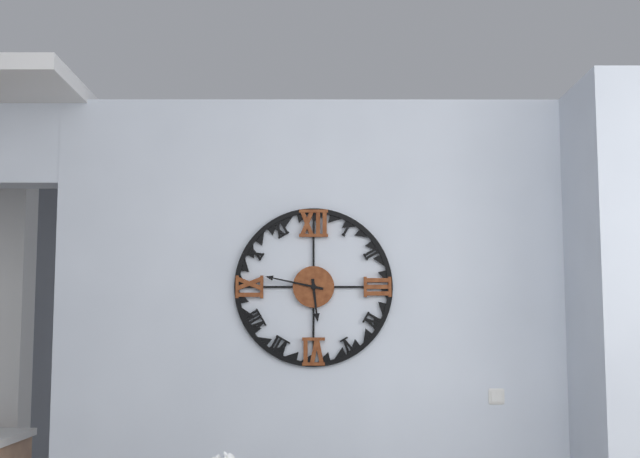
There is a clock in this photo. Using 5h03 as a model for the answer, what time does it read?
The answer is 5h47
